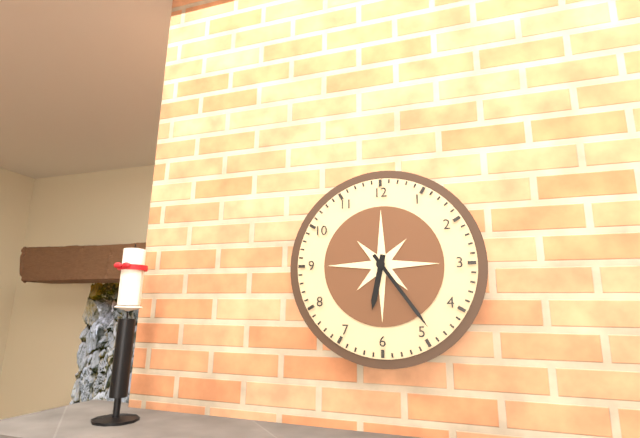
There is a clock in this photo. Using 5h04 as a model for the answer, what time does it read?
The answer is 6h24
